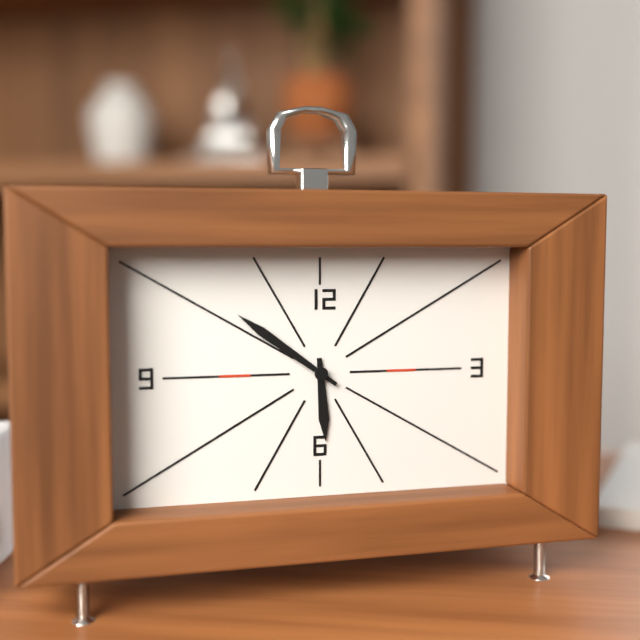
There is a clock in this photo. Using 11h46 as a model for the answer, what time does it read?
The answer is 5h51
